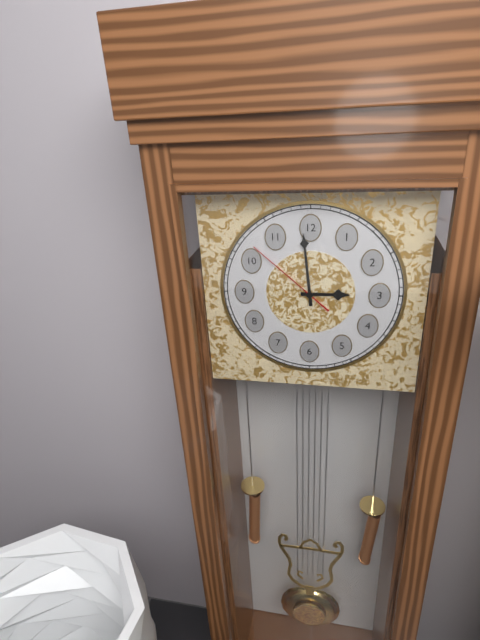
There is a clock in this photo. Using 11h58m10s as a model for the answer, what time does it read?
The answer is 2h59m52s
